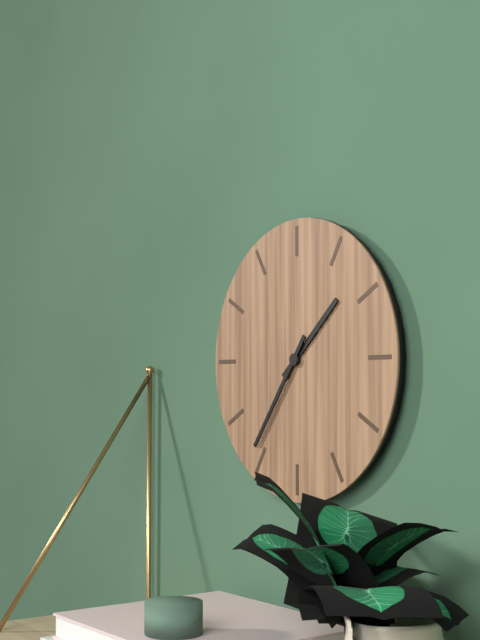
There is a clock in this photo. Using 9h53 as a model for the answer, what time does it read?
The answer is 1h36
